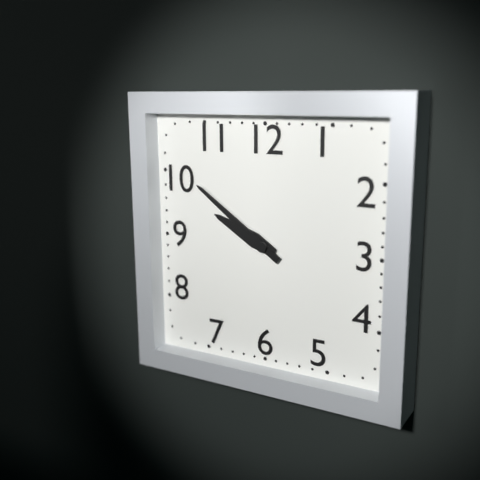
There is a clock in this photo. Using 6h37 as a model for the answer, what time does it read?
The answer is 9h51
